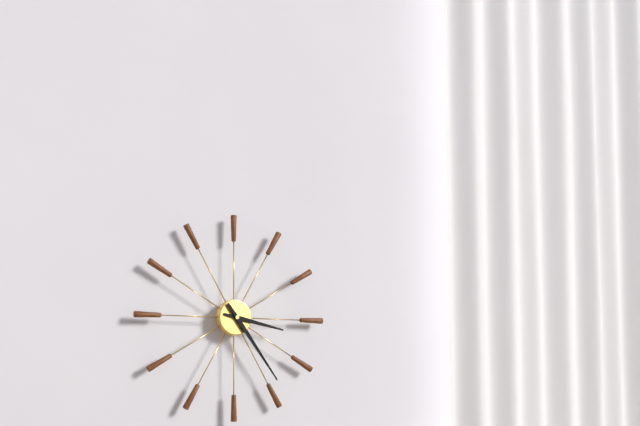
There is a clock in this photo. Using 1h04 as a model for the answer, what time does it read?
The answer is 3h24
